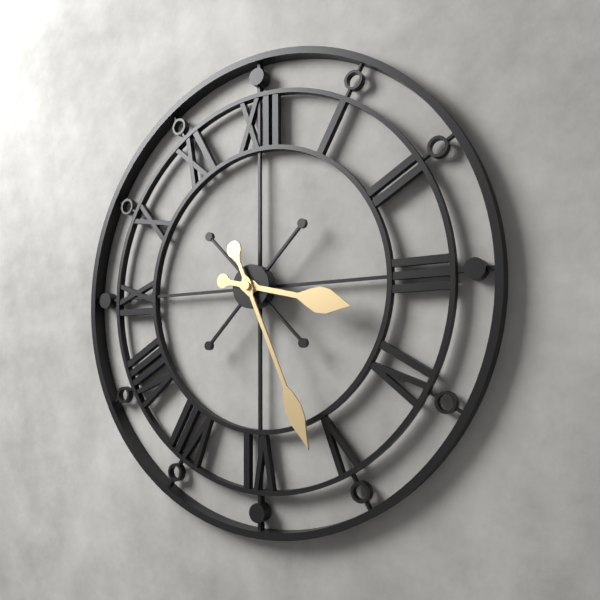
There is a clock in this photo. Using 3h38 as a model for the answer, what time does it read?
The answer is 3h26
